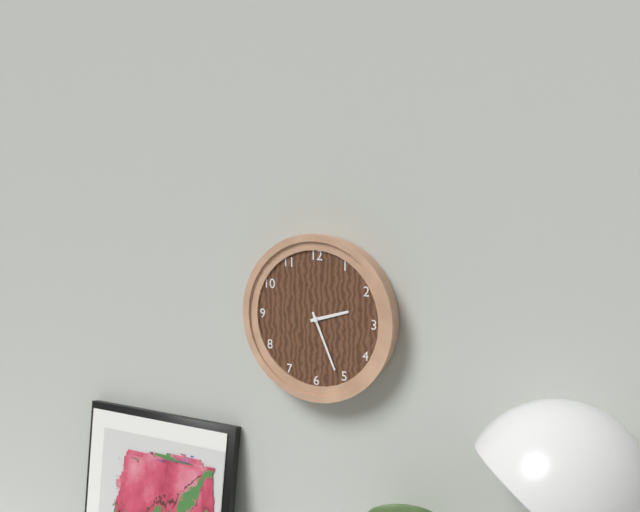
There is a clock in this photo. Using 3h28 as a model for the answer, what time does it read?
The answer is 2h26
